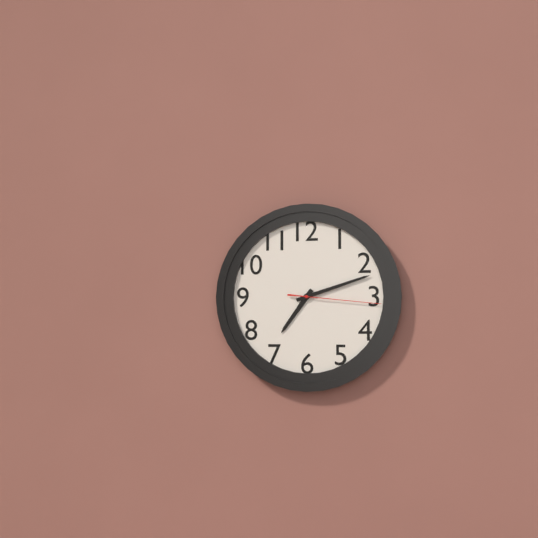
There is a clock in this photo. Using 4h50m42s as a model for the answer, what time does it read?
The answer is 7h12m16s
